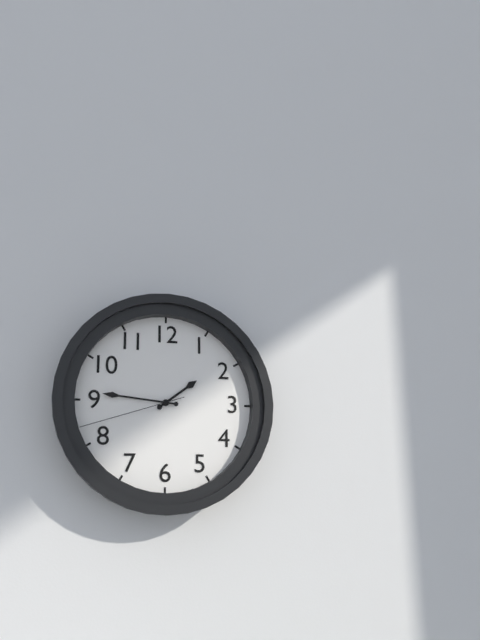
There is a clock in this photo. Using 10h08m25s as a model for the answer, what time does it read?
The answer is 1h46m42s
